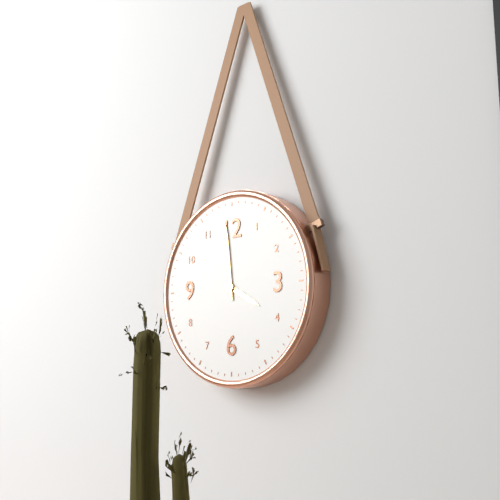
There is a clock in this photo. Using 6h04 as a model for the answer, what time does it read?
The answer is 3h59
